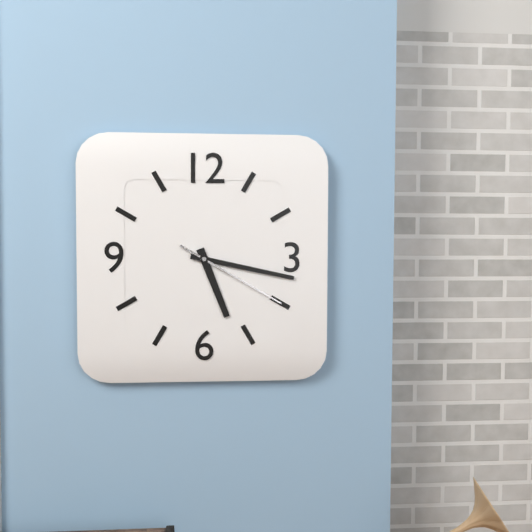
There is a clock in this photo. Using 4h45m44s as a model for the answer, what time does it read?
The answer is 5h17m20s
